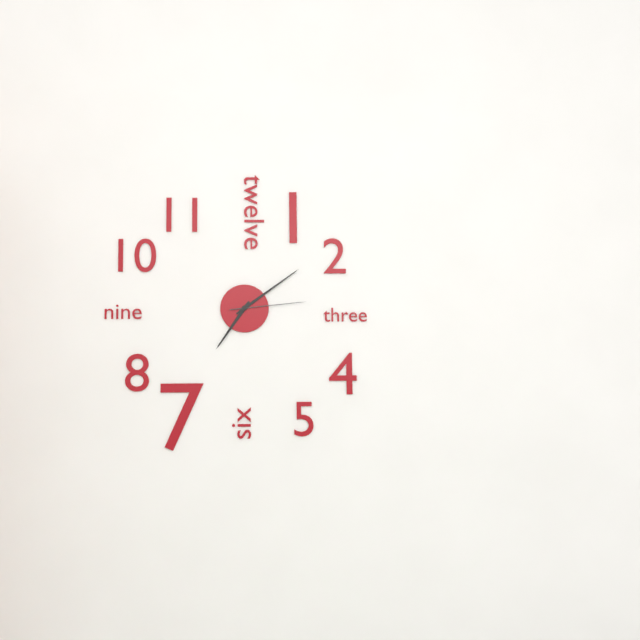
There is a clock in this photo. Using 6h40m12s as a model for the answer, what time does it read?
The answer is 7h09m14s
